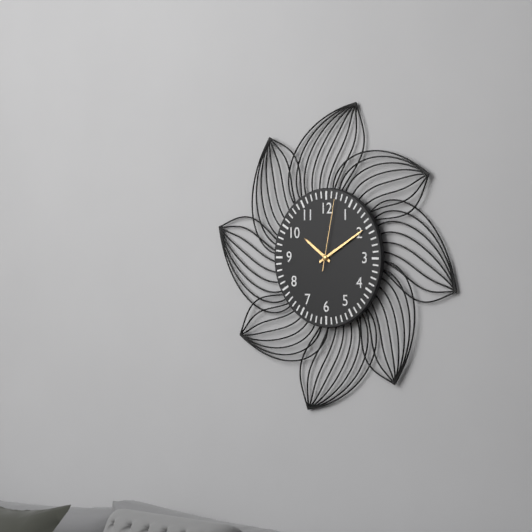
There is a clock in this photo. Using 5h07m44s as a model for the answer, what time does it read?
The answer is 10h10m02s
